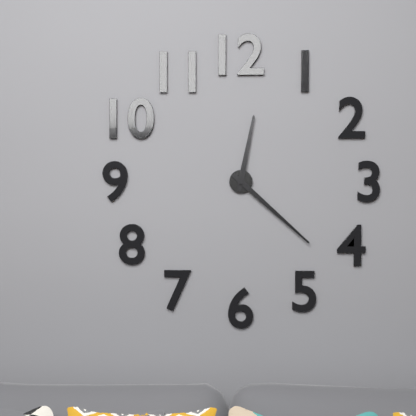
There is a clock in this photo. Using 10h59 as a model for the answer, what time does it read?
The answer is 12h22
